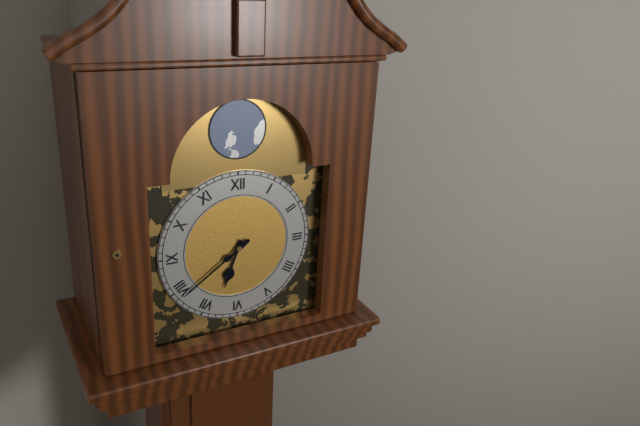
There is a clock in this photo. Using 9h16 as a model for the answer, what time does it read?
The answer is 6h39
